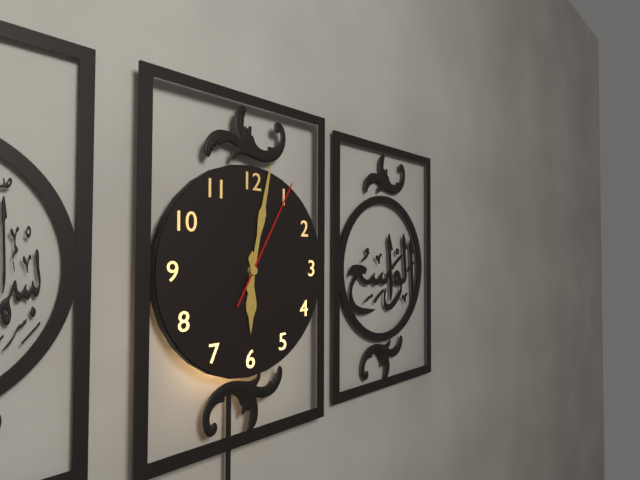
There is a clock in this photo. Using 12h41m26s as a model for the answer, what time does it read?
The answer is 6h02m05s
